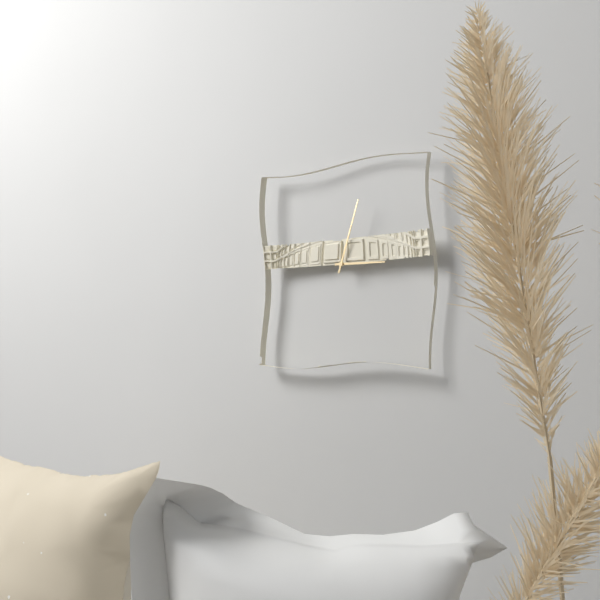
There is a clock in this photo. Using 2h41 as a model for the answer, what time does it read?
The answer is 3h03
